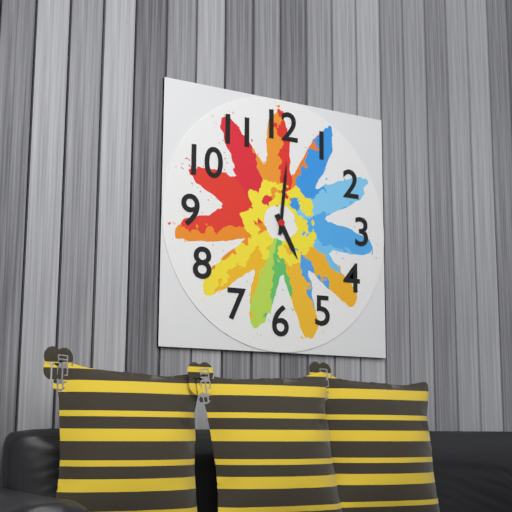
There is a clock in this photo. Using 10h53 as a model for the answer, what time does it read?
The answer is 5h01
